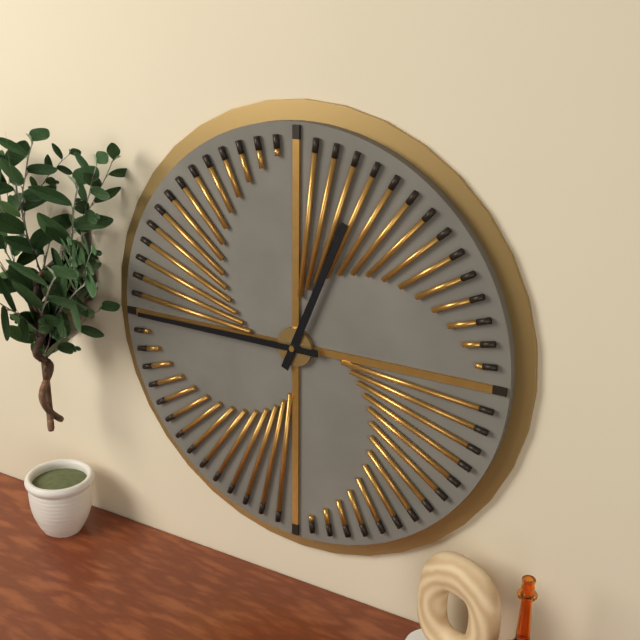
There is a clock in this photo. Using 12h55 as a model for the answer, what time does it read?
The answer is 12h45
